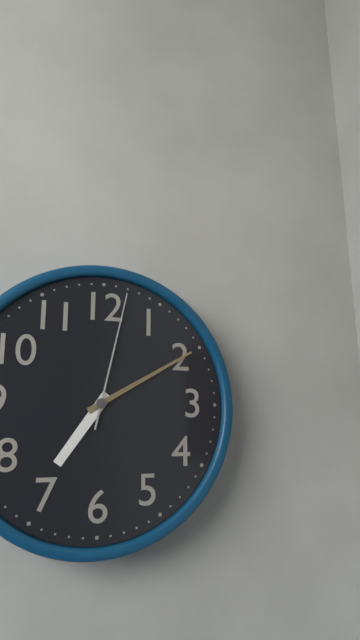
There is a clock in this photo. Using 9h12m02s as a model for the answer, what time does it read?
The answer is 7h10m02s
